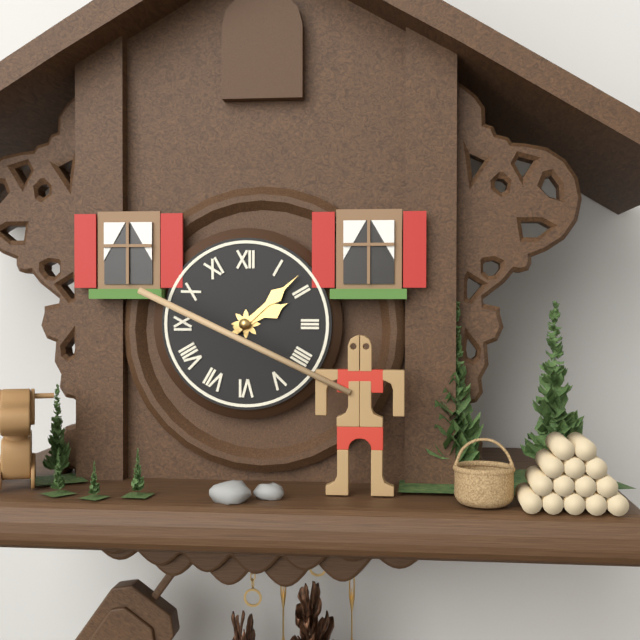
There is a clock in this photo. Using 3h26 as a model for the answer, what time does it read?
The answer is 2h08
